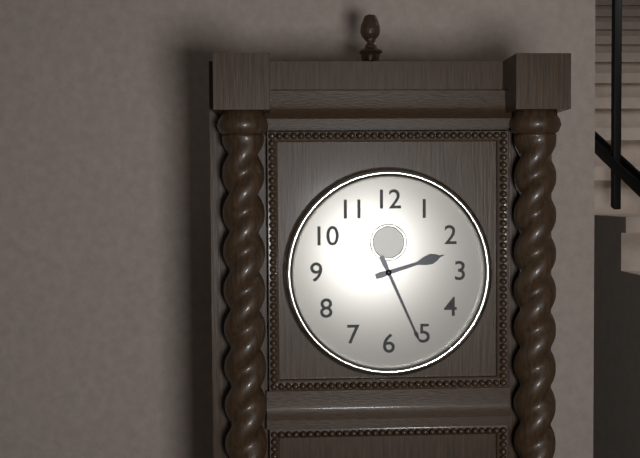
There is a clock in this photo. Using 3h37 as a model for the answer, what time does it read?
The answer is 2h26
